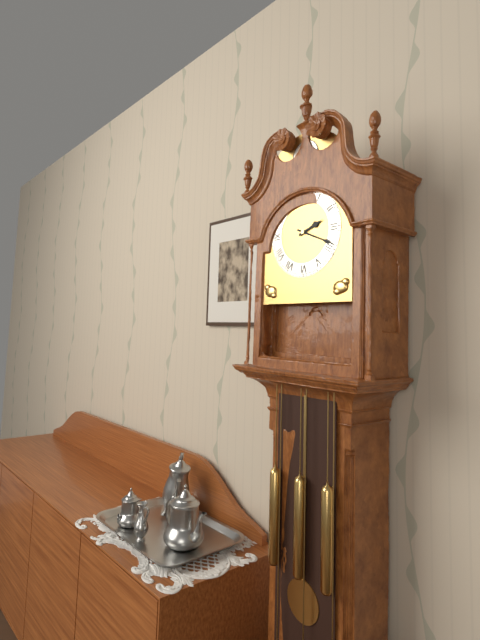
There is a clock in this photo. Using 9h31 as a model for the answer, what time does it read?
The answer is 2h19
